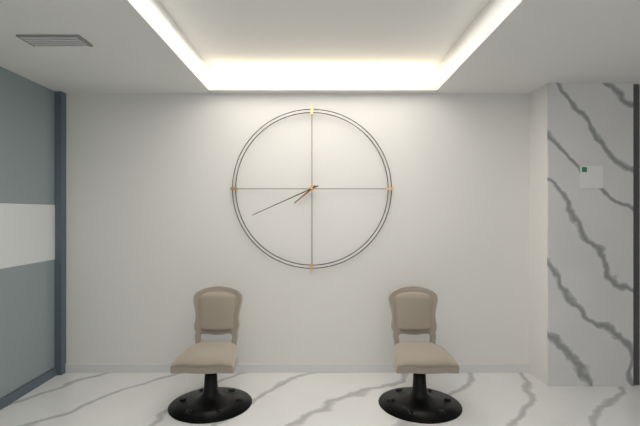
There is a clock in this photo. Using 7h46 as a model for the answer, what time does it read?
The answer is 7h41
